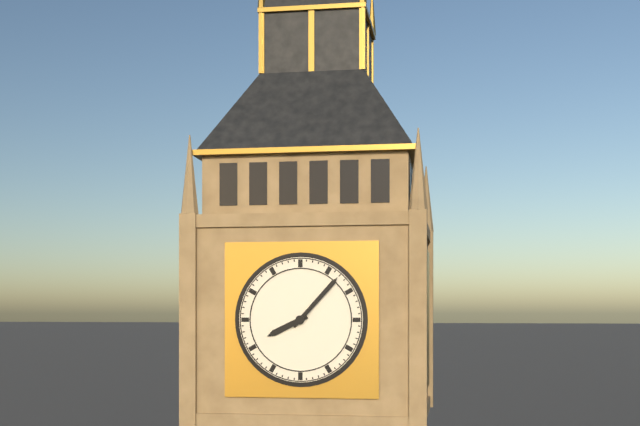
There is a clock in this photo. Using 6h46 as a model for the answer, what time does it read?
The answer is 8h07
